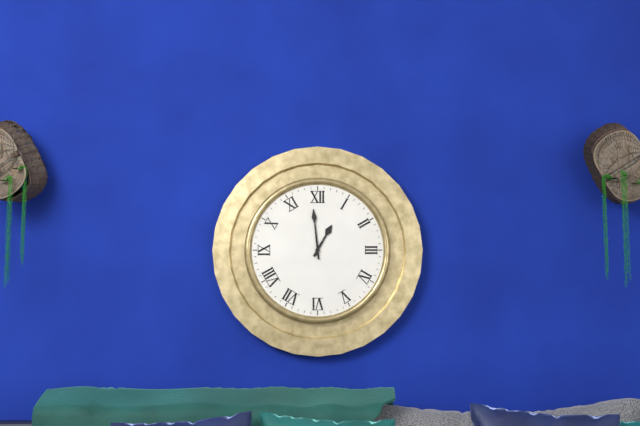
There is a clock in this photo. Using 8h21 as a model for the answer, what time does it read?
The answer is 12h59
